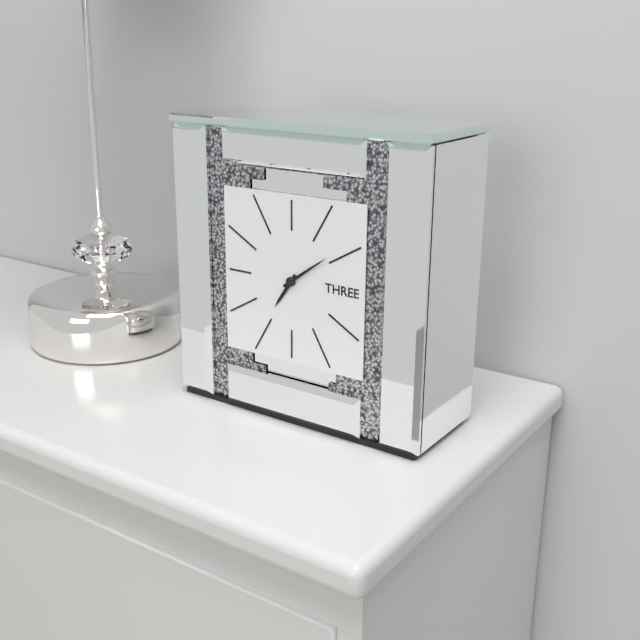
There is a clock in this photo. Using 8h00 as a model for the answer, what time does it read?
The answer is 7h09
